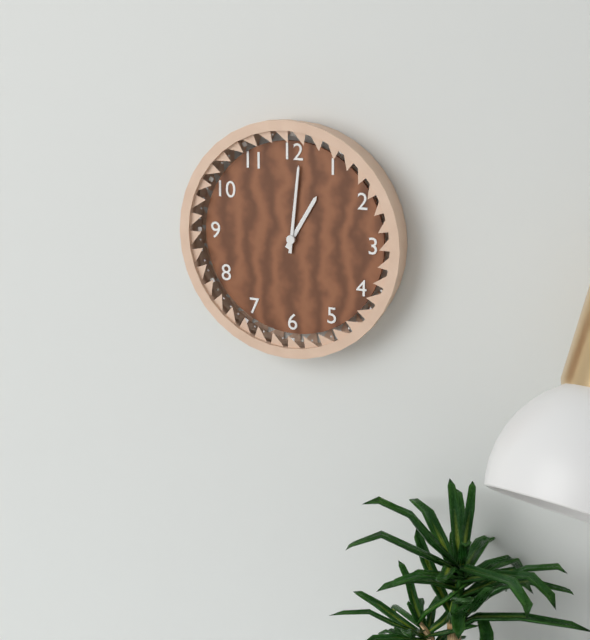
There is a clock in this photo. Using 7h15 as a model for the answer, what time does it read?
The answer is 1h01
